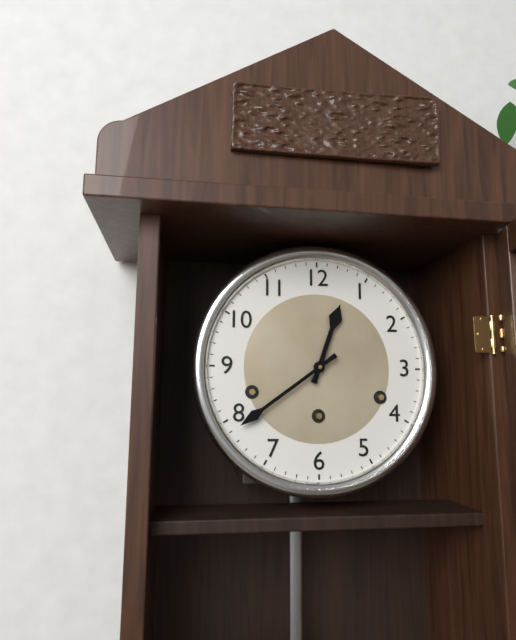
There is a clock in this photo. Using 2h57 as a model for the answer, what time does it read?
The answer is 12h39
